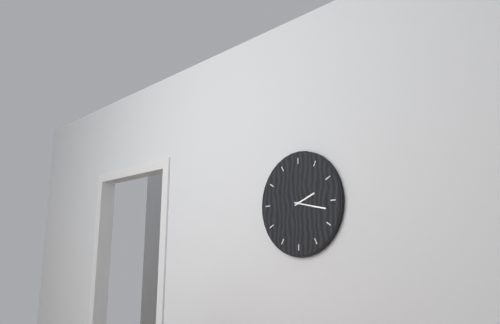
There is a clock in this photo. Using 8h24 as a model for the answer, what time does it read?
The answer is 2h17
